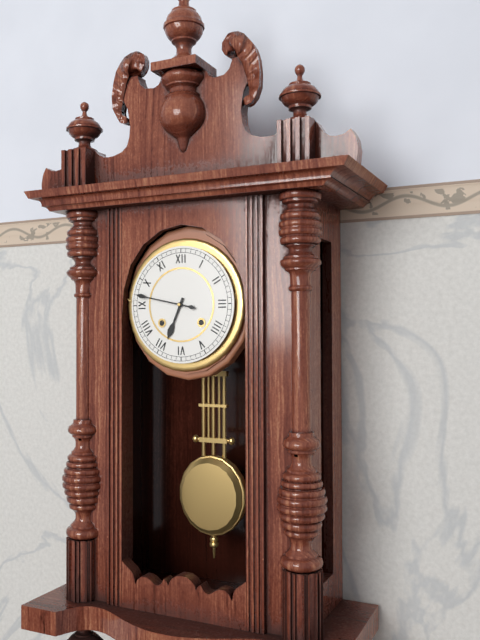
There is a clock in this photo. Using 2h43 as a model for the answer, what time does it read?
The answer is 6h47
